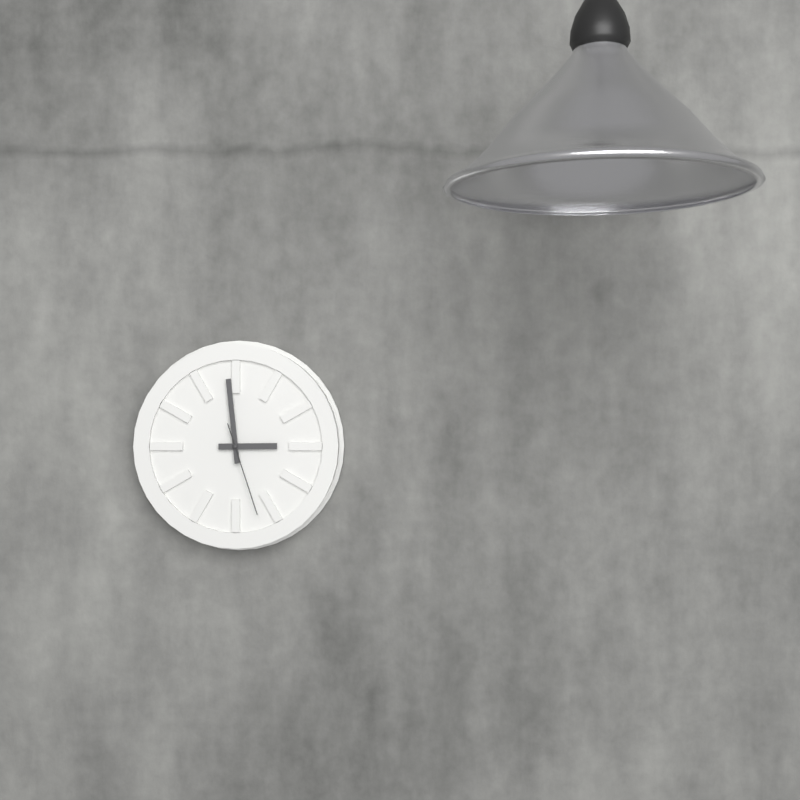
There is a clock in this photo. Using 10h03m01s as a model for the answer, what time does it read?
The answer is 2h59m27s
